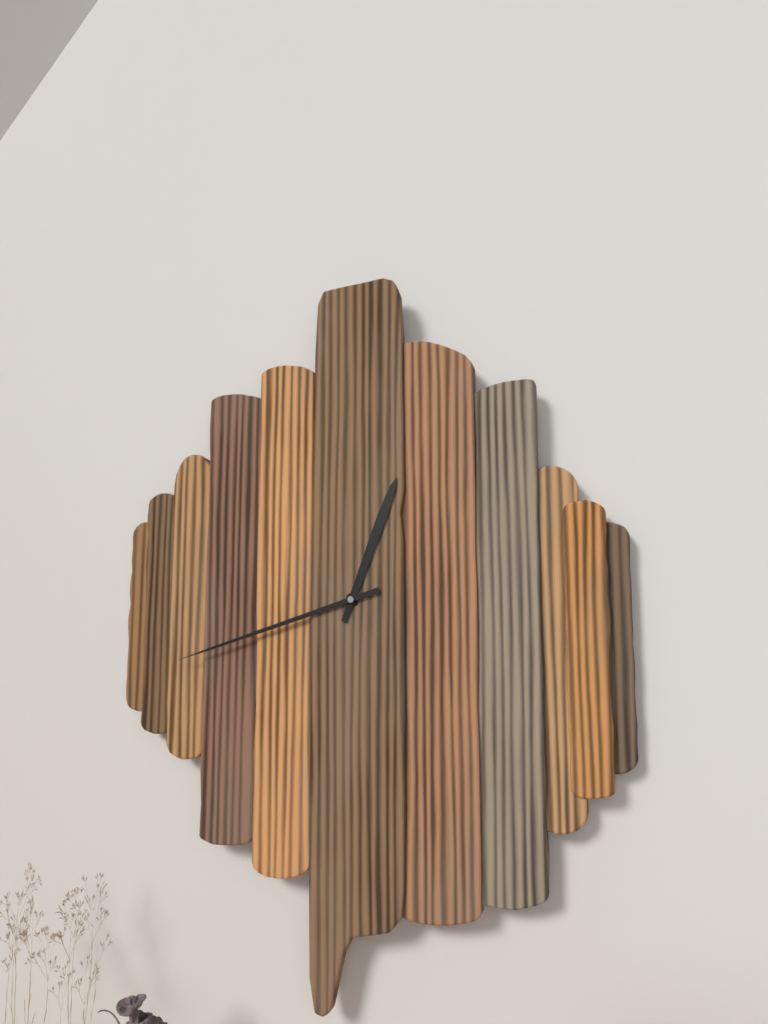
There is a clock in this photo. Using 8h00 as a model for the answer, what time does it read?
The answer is 12h42
